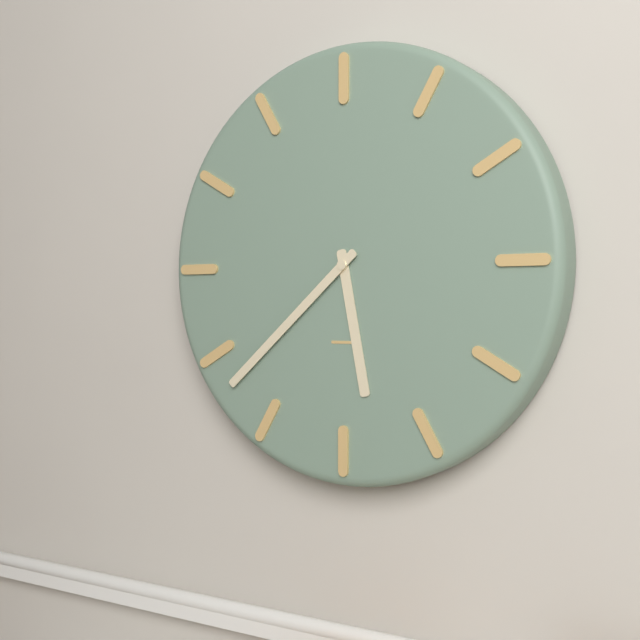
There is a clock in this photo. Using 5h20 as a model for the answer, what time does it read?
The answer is 5h38
